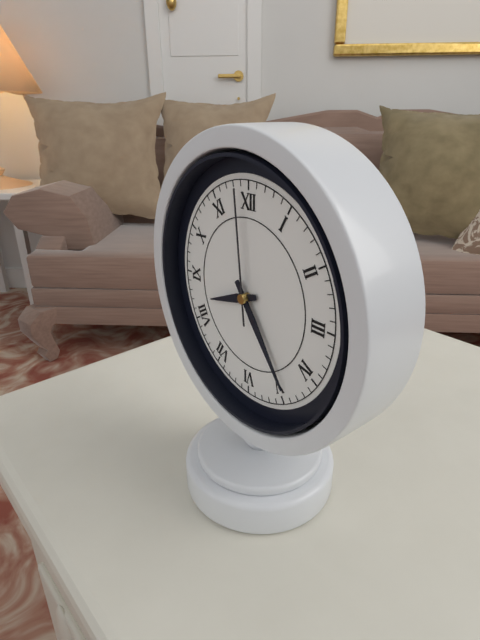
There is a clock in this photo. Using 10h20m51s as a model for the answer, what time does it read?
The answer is 8h24m59s
